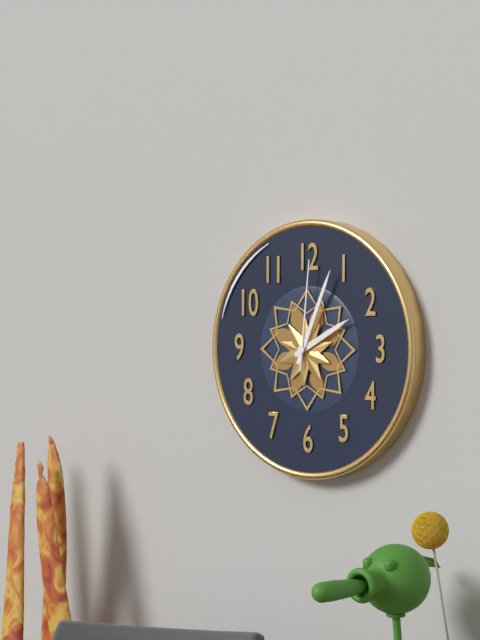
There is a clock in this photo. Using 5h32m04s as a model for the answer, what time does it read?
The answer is 2h04m01s
